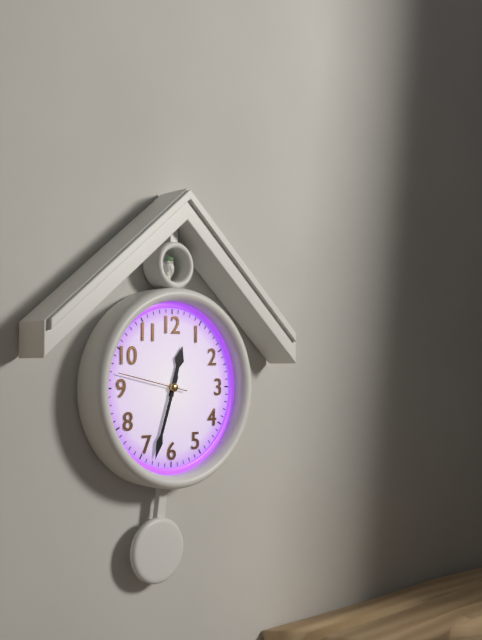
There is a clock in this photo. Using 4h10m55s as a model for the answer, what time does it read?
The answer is 12h33m47s
